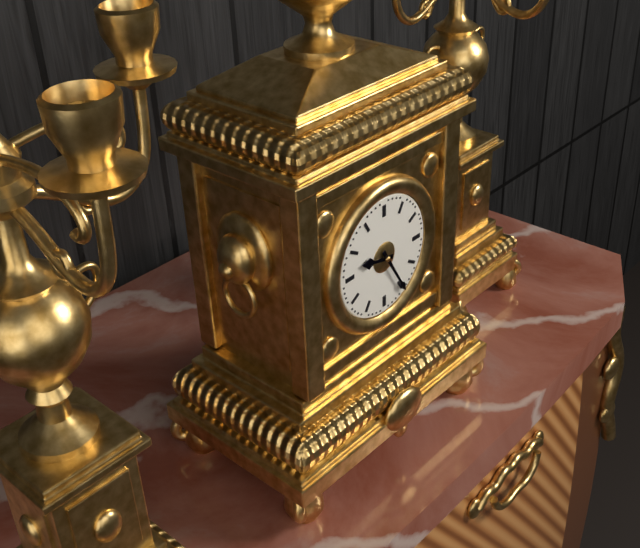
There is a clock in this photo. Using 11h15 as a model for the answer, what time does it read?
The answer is 9h25
